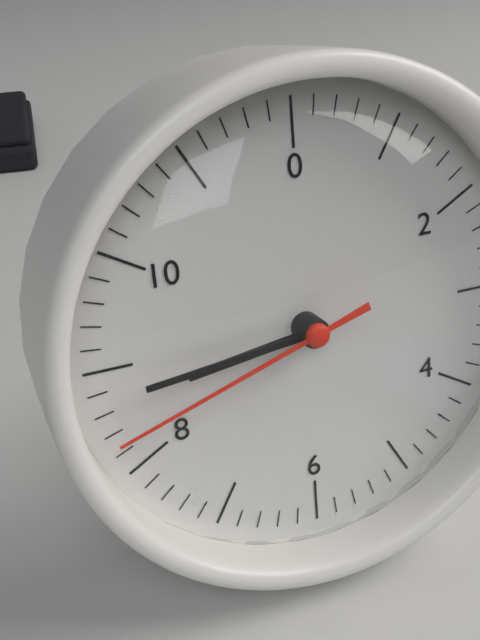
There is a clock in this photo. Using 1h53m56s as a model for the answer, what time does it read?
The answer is 8h44m42s
